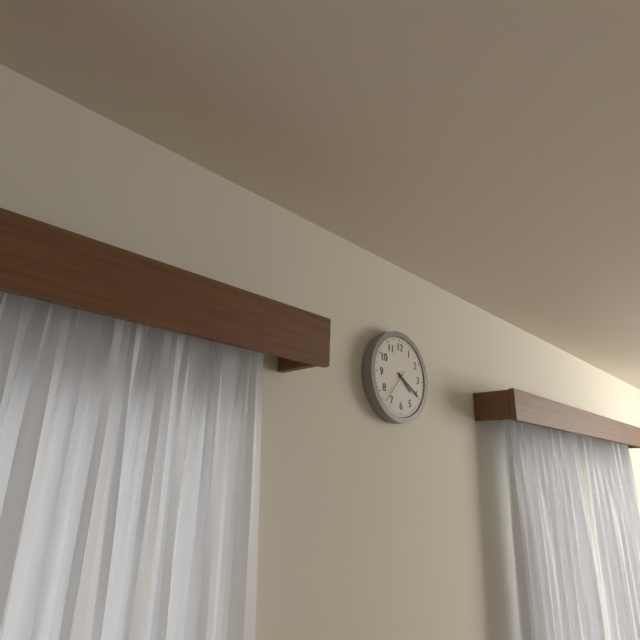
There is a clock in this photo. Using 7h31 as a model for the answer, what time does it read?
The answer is 4h20
